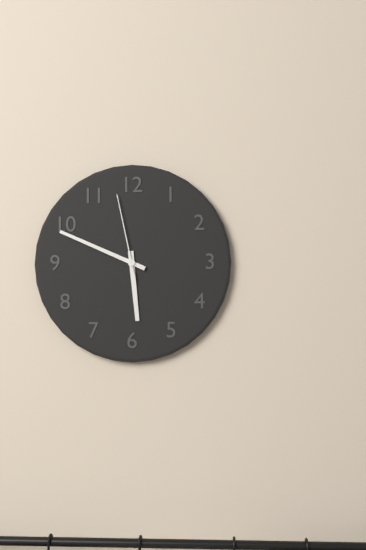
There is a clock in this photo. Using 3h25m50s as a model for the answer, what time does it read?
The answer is 5h49m58s
